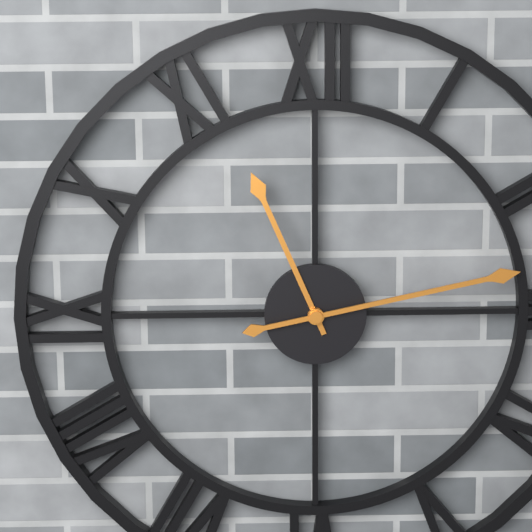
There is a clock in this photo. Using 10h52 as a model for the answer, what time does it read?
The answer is 11h13
